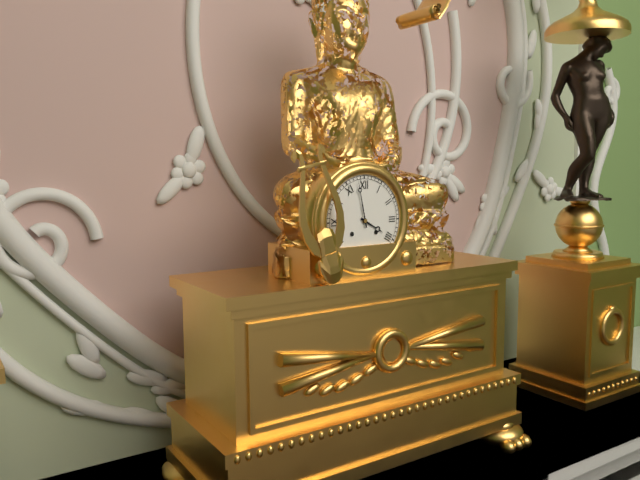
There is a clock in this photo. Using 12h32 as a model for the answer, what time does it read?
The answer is 3h58
